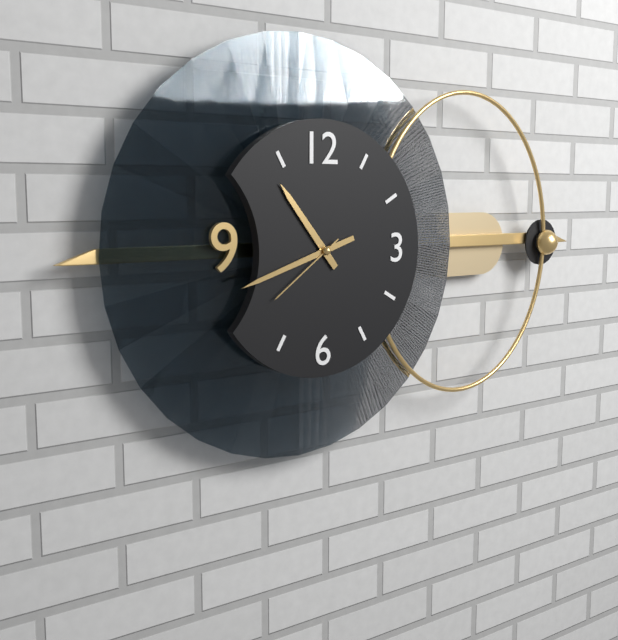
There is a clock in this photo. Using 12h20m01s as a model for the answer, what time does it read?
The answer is 10h42m39s
